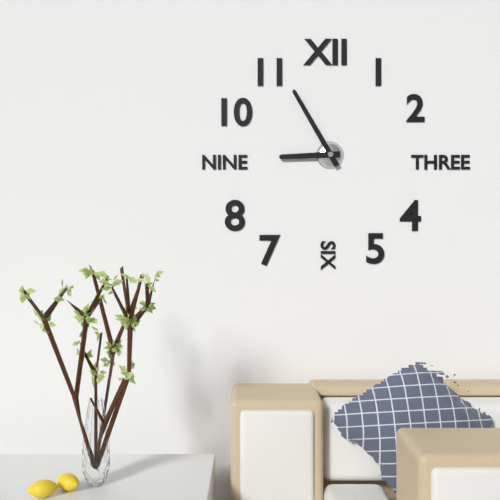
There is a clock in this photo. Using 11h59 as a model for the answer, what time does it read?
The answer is 8h55
